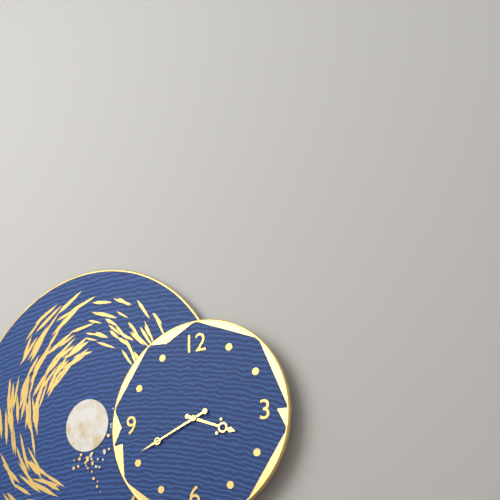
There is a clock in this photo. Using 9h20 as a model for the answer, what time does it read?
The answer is 3h41
